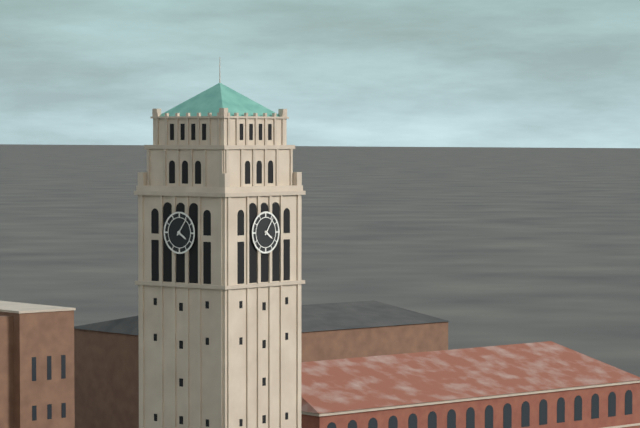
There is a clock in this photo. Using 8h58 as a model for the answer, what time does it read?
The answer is 4h06
